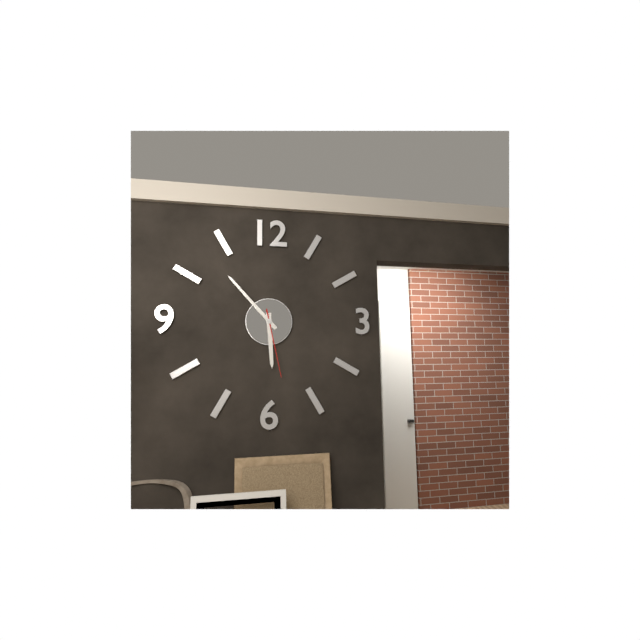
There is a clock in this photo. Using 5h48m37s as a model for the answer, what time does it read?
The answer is 5h53m28s
